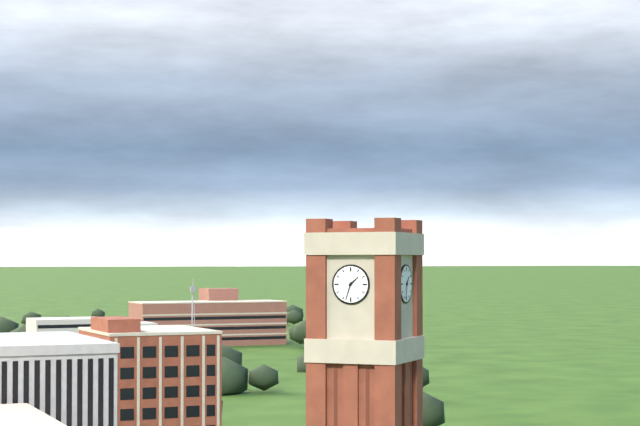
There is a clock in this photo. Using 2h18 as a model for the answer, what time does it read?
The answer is 1h33
